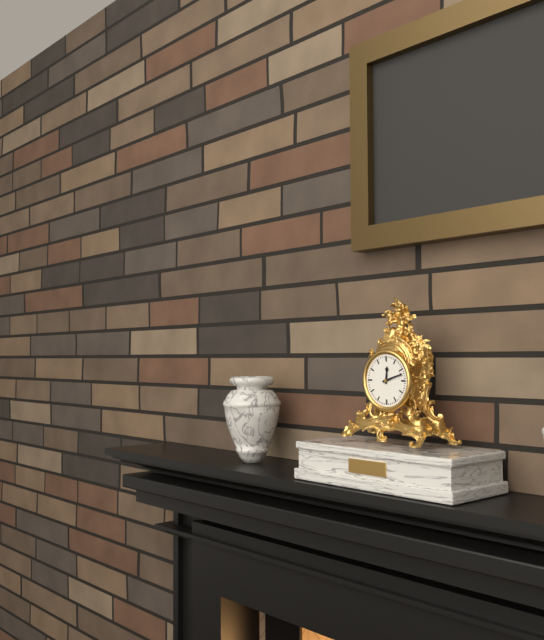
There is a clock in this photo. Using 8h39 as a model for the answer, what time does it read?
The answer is 12h12
